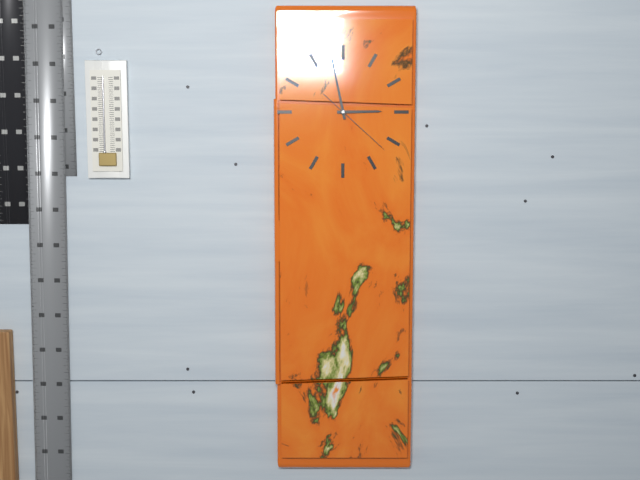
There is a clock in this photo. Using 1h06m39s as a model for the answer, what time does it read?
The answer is 2h58m22s
